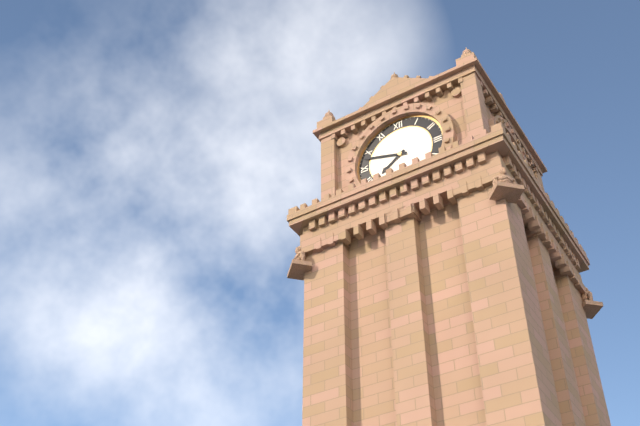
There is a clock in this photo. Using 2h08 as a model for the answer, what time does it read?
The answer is 7h48
